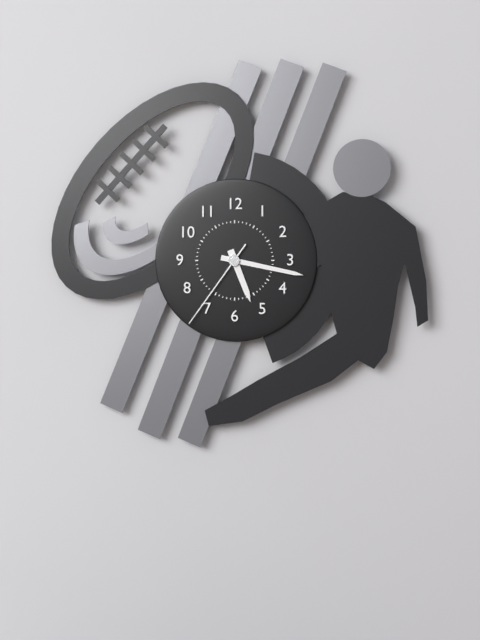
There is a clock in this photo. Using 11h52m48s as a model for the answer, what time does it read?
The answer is 5h17m36s
